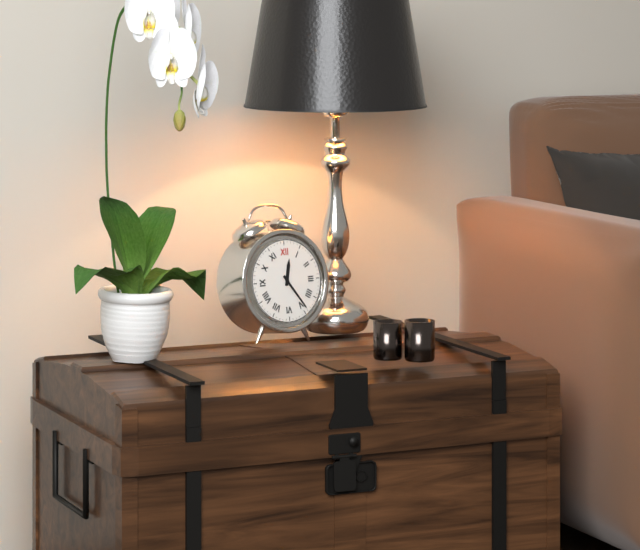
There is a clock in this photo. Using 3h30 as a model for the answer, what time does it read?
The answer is 12h24
